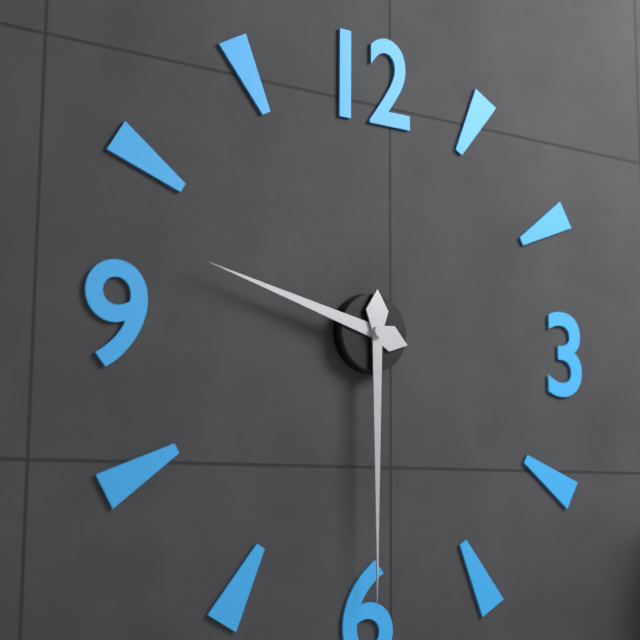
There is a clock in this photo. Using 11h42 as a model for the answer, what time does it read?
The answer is 9h30
